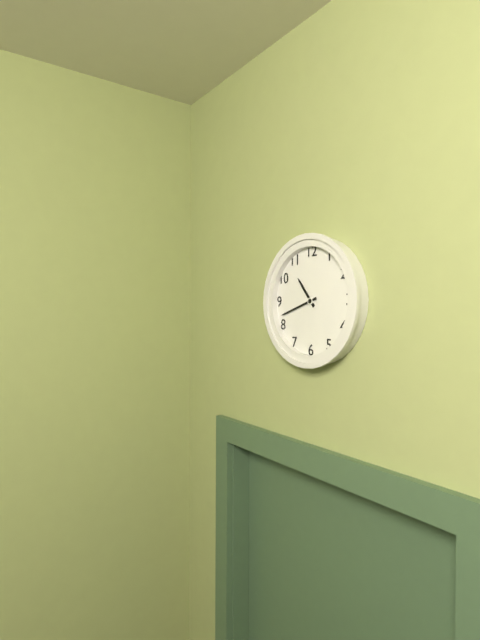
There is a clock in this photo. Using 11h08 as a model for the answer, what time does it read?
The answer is 10h42
